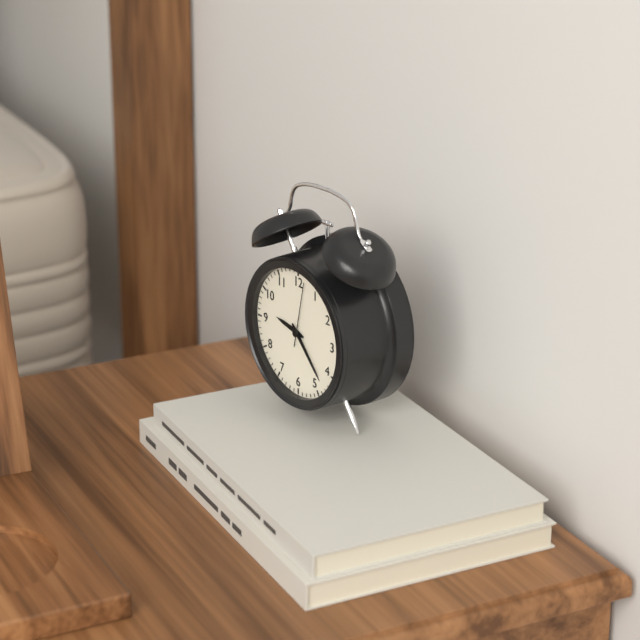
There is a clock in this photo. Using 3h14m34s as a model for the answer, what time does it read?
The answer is 9h23m02s
